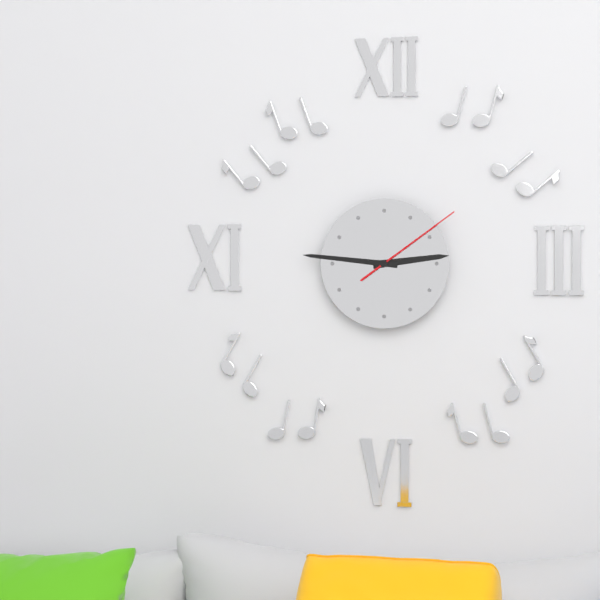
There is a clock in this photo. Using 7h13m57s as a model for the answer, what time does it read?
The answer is 2h46m09s
